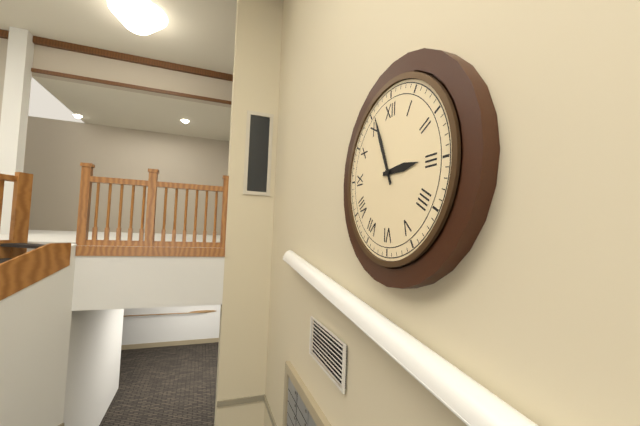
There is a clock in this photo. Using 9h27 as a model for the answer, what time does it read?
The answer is 2h56
